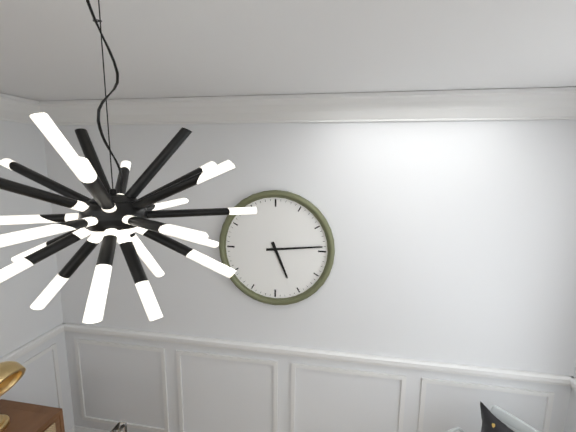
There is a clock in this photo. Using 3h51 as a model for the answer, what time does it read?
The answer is 5h14
